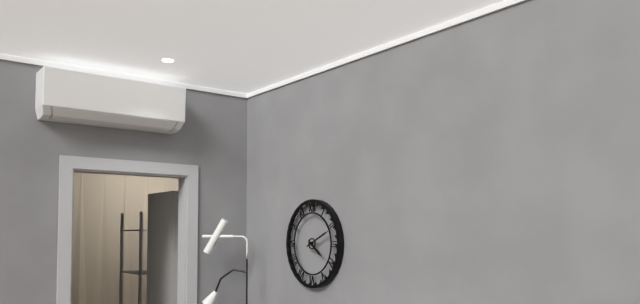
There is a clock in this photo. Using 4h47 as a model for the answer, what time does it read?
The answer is 4h11
